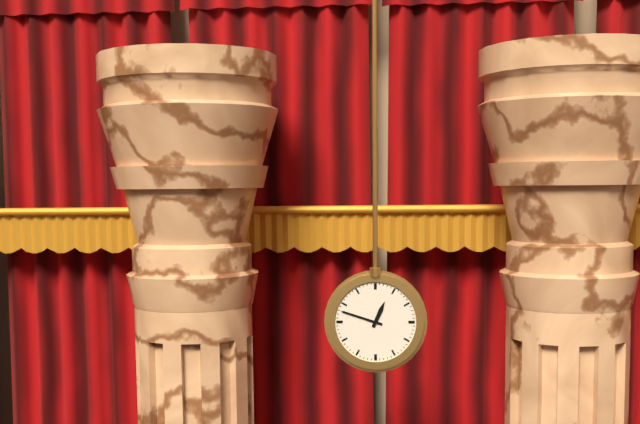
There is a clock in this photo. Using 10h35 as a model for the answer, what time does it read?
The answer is 12h48
